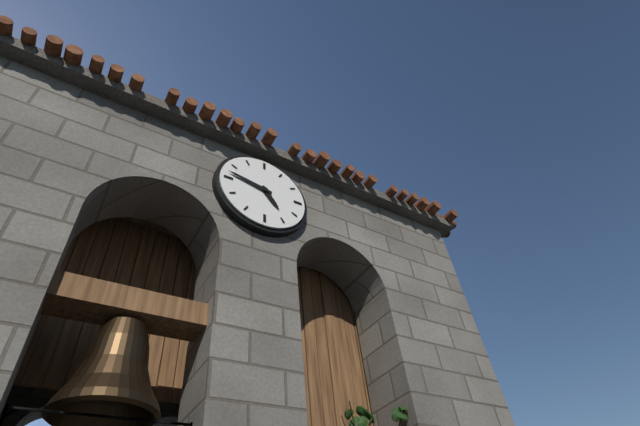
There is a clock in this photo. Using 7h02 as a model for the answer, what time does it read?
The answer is 4h47
